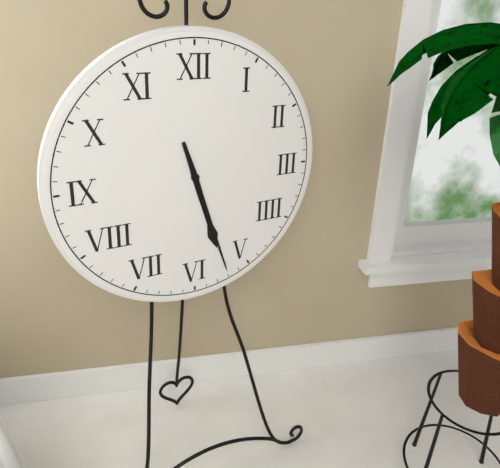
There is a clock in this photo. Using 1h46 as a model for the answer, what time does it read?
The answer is 5h27
